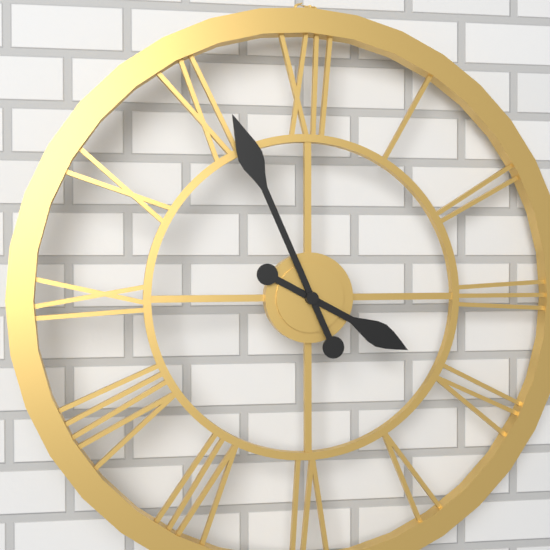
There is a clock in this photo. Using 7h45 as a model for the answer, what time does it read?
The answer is 3h56
